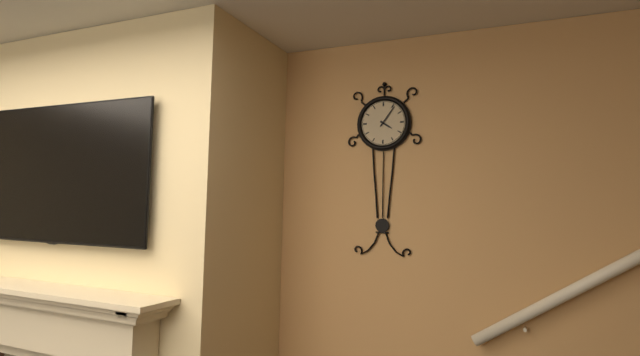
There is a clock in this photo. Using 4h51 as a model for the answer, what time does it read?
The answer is 4h06
